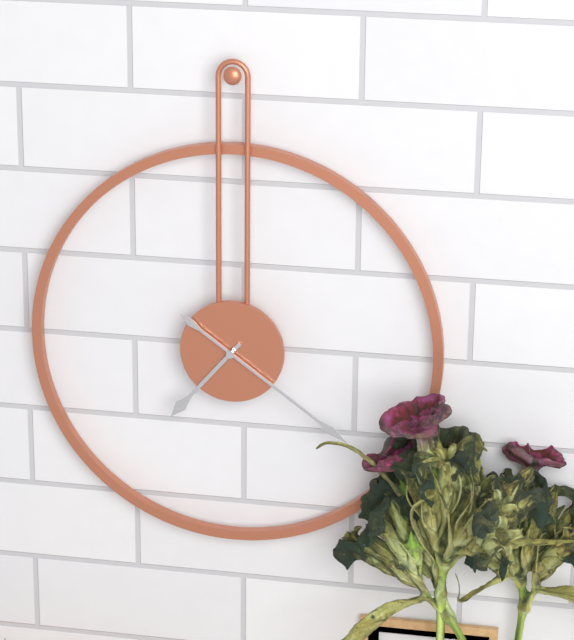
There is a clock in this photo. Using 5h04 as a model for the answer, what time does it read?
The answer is 7h21
